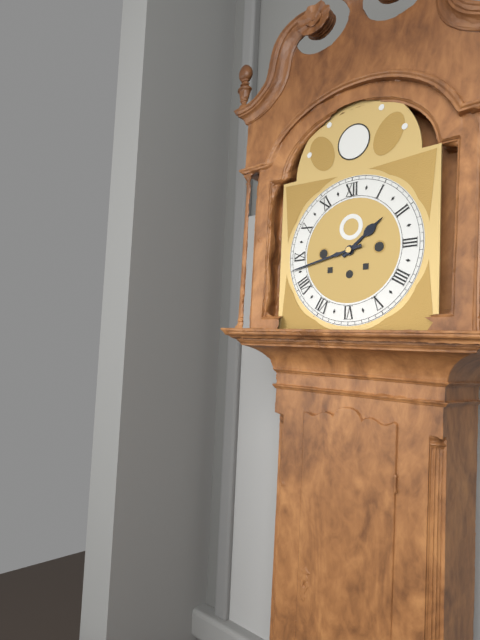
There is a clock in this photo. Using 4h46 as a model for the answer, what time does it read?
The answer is 1h43
